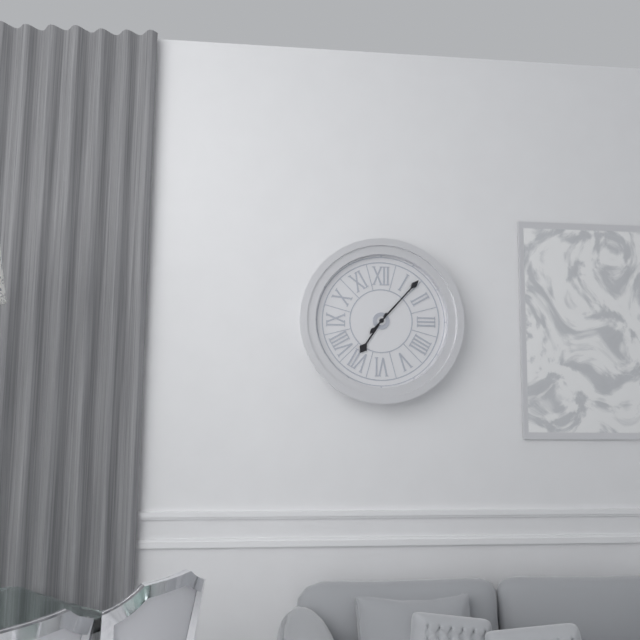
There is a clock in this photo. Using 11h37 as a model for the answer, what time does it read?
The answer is 7h07
